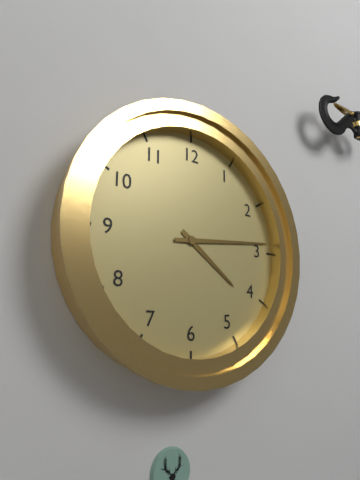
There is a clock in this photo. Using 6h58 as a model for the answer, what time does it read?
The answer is 4h14
